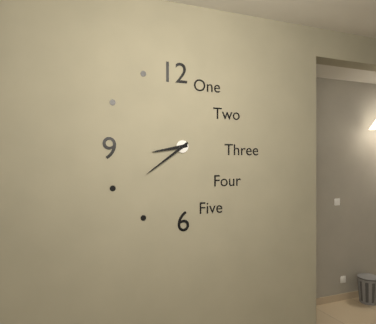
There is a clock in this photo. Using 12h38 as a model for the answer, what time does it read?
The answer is 8h39
